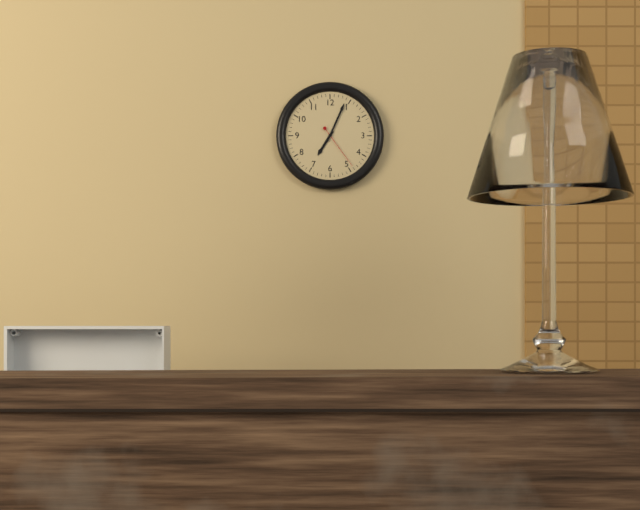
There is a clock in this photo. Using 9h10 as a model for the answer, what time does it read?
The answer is 7h04
